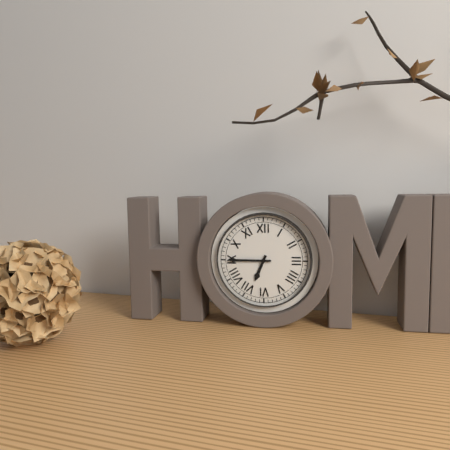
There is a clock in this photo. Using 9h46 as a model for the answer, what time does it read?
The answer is 6h45
